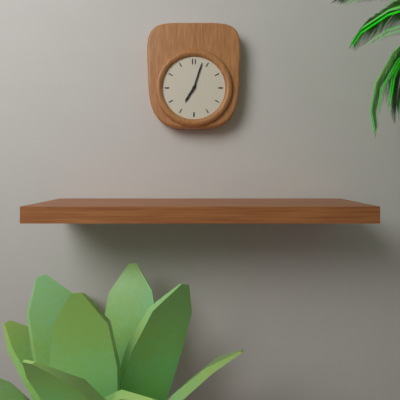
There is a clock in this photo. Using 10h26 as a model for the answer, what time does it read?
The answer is 7h03
